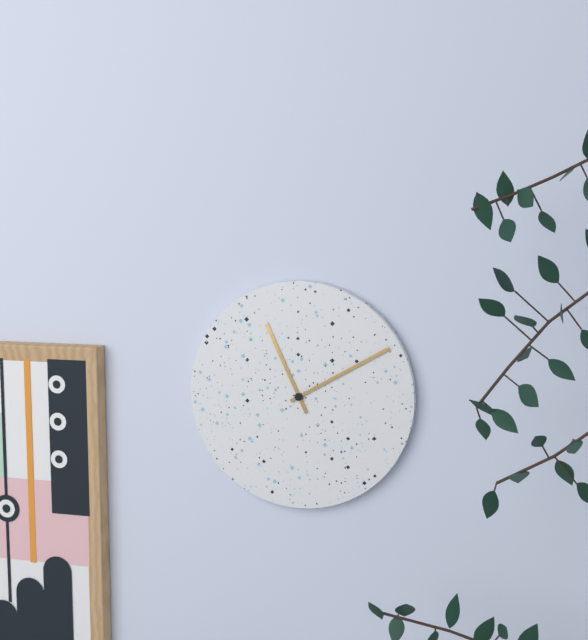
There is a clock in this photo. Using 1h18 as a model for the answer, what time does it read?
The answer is 11h10
